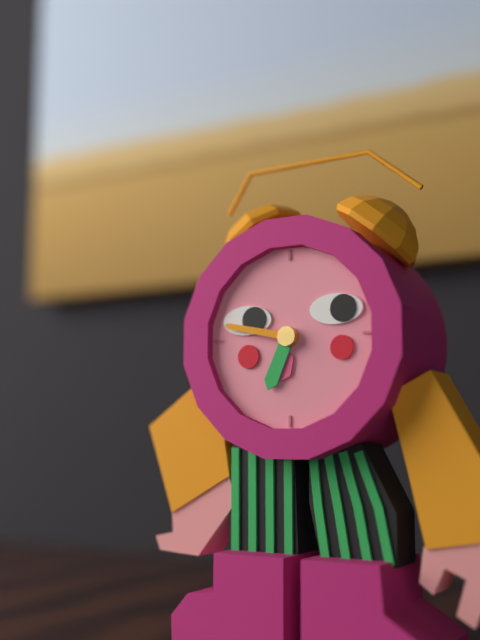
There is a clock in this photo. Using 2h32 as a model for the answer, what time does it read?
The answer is 6h47
